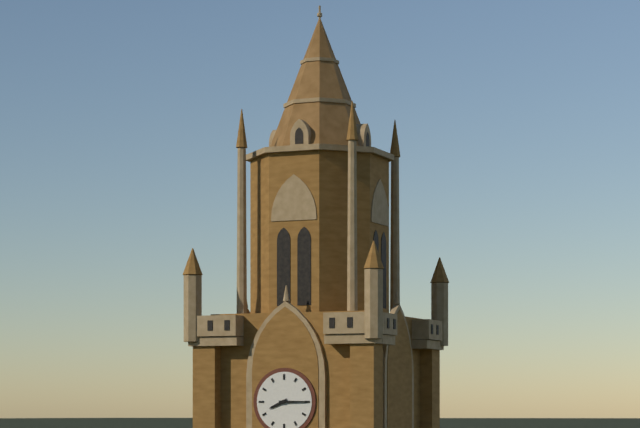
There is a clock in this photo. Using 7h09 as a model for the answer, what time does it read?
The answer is 8h15
